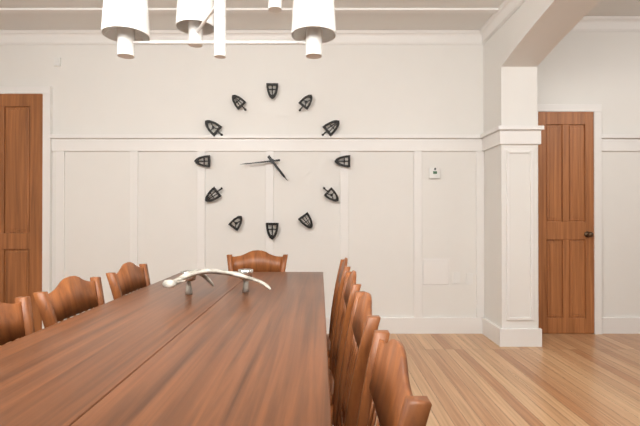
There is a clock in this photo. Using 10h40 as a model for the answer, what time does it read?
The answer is 4h44
